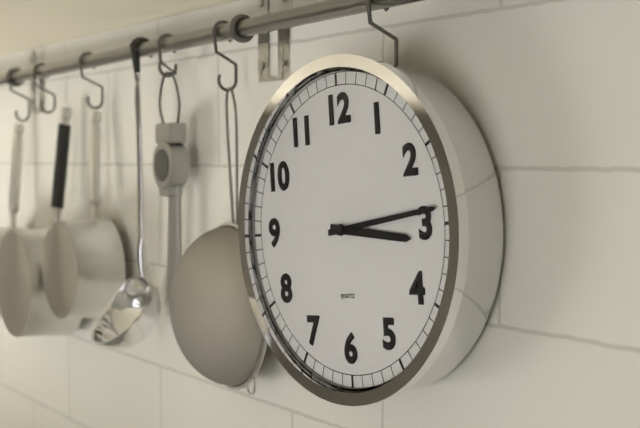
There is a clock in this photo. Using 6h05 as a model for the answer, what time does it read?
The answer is 3h14
